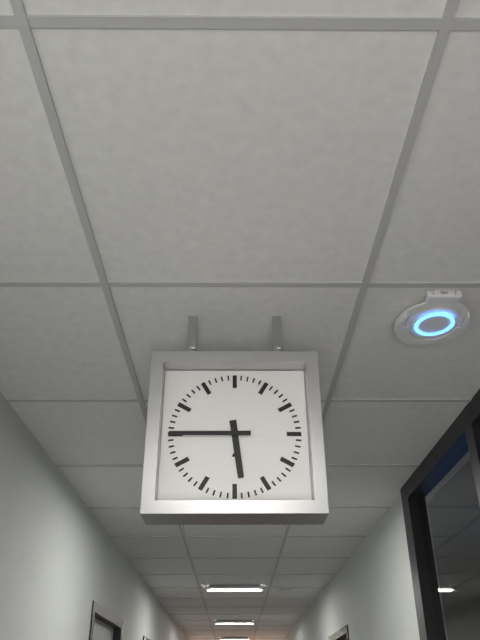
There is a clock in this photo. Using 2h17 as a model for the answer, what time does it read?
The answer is 5h45
